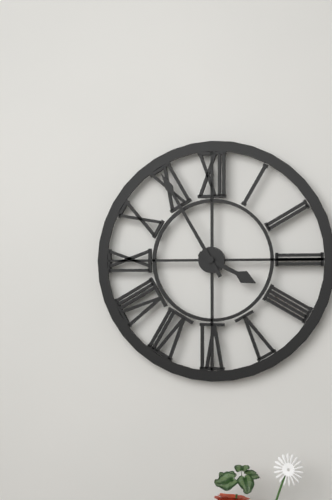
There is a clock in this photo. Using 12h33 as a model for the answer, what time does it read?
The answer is 3h55
